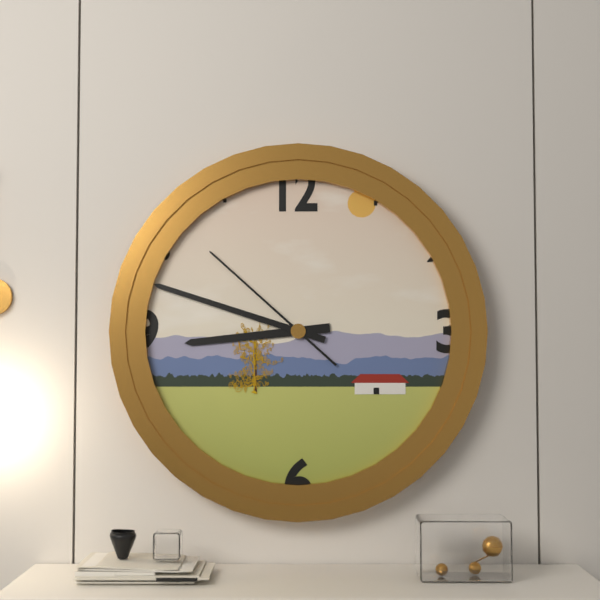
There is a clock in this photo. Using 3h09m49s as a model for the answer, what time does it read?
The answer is 8h48m52s
